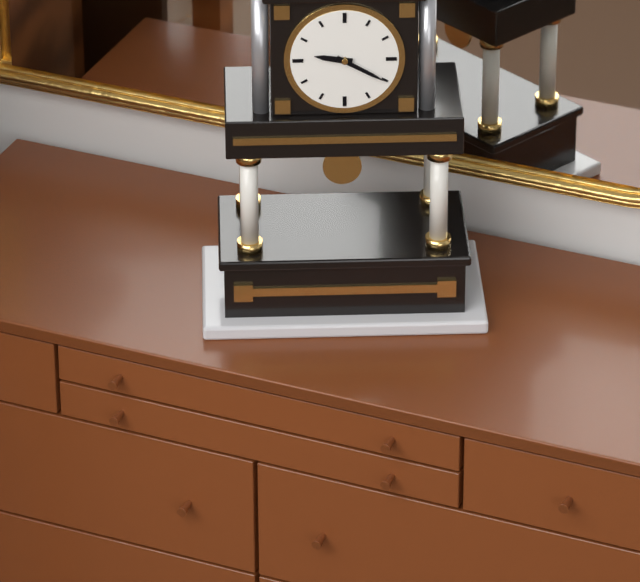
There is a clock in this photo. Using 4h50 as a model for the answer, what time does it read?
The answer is 9h20
